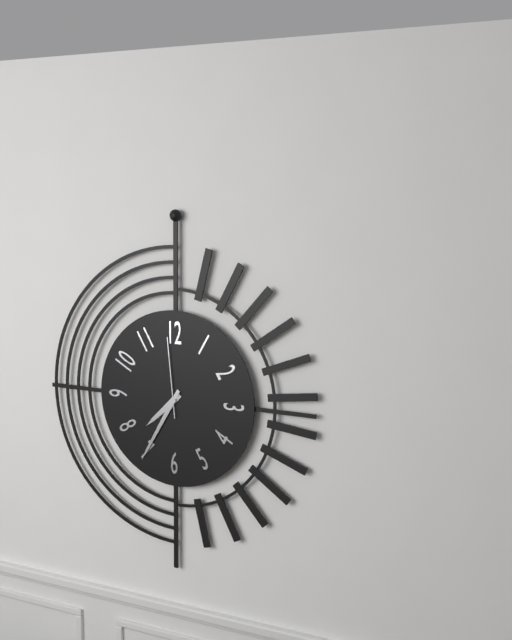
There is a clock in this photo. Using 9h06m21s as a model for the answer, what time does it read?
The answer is 7h35m59s
